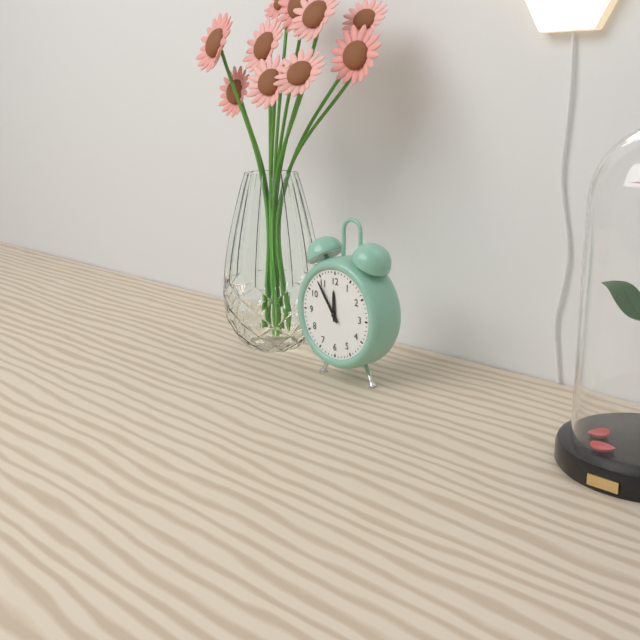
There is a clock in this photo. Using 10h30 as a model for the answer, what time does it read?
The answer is 11h54
